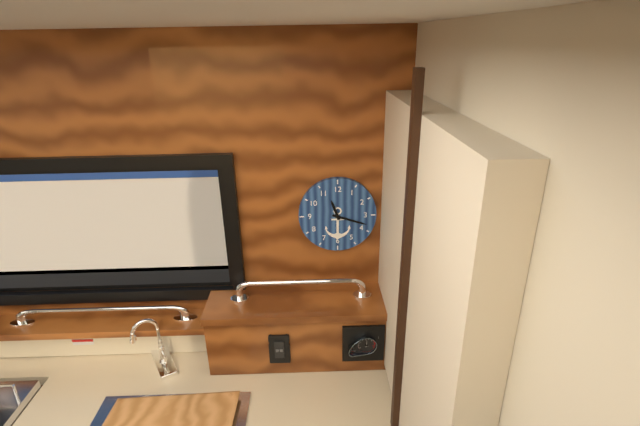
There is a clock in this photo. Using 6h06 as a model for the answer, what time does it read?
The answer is 11h18
